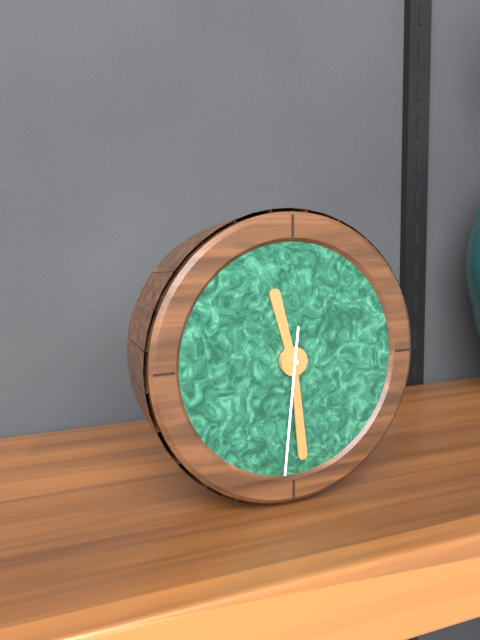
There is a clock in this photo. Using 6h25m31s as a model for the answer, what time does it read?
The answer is 11h29m31s
